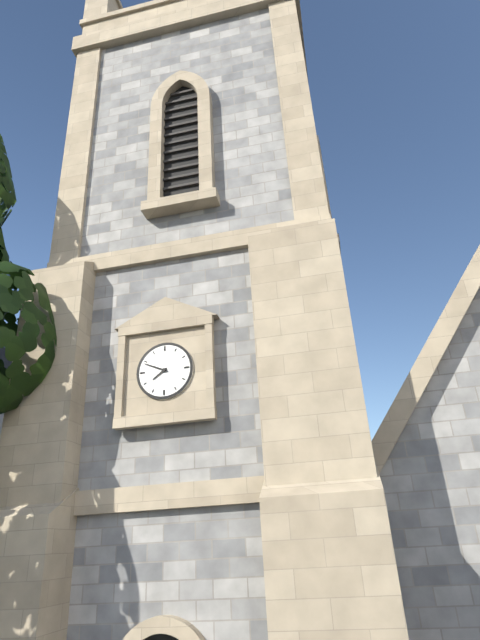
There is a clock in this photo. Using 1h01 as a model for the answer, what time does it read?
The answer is 7h49
